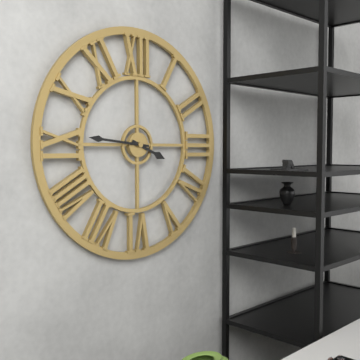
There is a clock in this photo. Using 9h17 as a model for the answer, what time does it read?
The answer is 3h46
